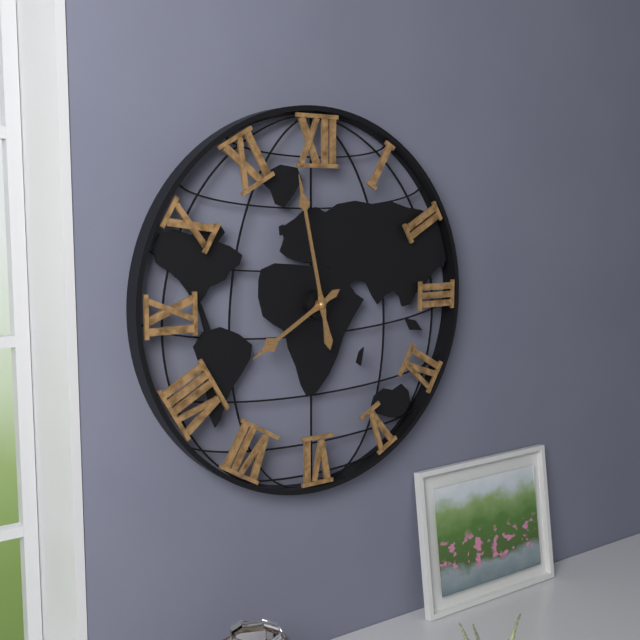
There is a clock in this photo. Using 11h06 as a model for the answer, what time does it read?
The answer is 7h58
